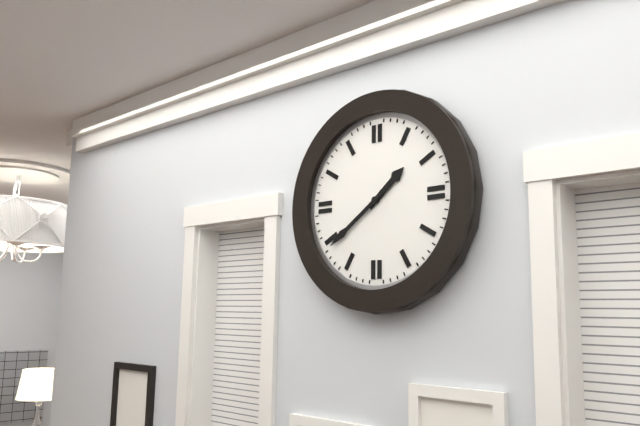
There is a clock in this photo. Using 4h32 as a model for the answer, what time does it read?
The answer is 1h39
